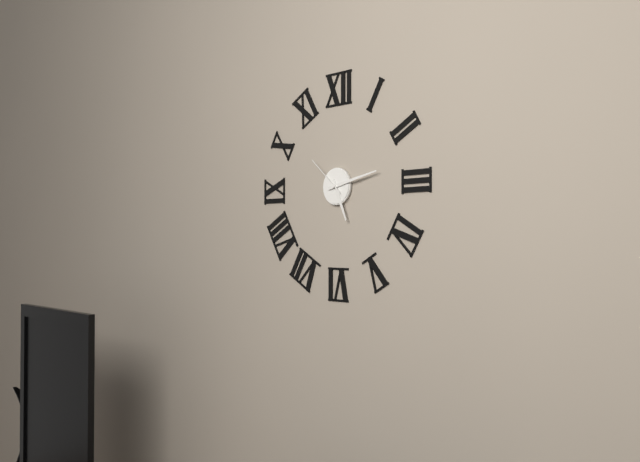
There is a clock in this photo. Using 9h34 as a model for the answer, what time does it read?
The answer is 5h13
